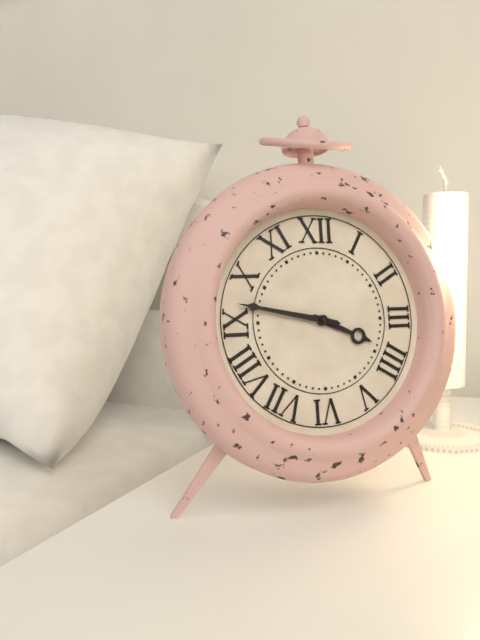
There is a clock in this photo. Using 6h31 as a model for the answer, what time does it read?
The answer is 3h47
